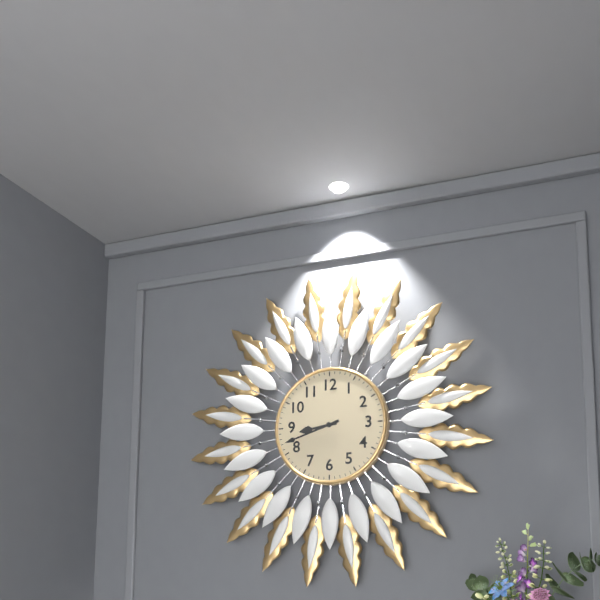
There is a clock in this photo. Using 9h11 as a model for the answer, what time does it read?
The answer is 8h42
